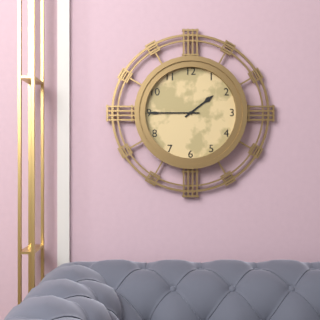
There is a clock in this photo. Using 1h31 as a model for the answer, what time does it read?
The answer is 1h45
